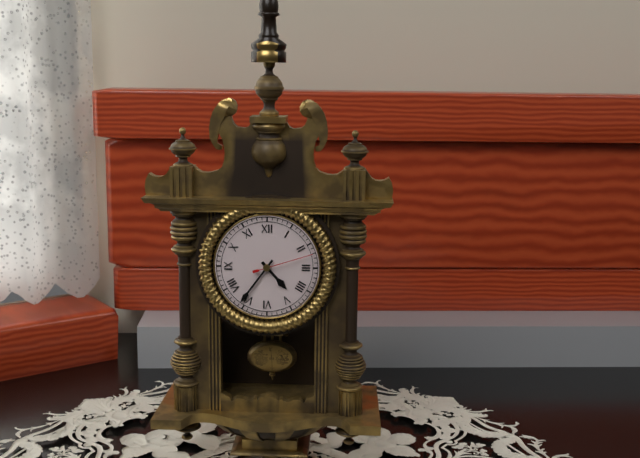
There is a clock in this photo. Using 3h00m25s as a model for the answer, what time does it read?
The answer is 4h36m12s
